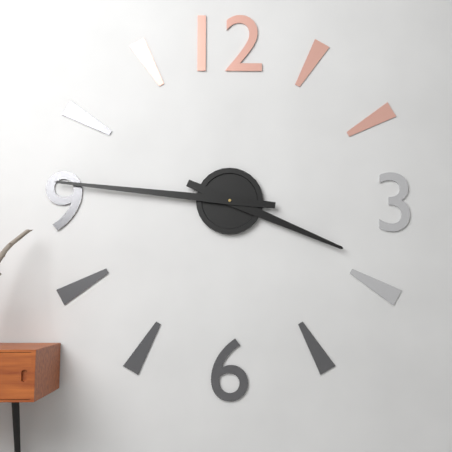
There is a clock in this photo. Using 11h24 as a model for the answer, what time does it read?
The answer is 3h46
